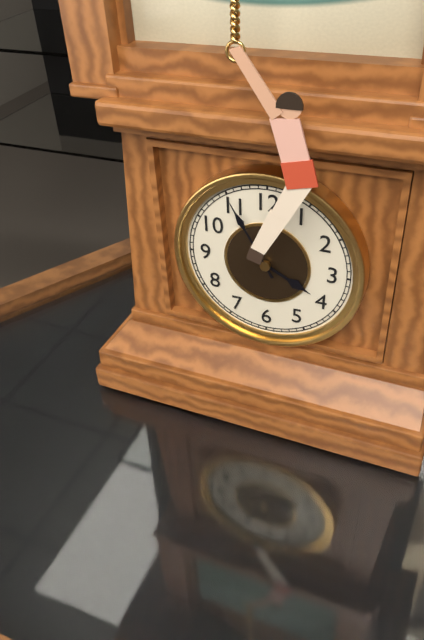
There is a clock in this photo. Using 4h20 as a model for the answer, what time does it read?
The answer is 3h55
